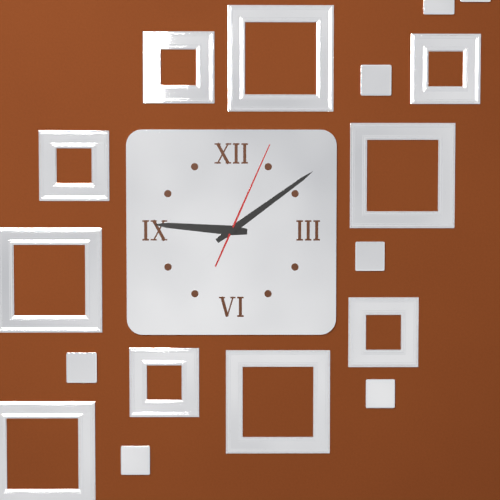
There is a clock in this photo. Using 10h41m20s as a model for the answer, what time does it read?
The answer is 9h09m04s
